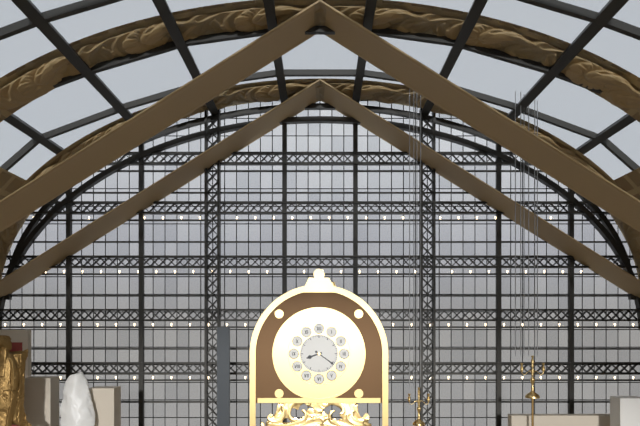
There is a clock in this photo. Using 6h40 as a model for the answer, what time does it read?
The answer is 8h21
